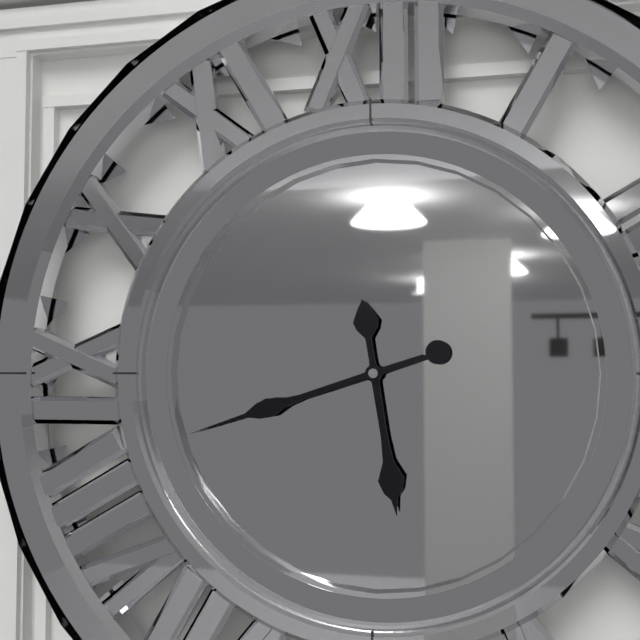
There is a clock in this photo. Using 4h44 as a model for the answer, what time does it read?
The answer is 5h42
